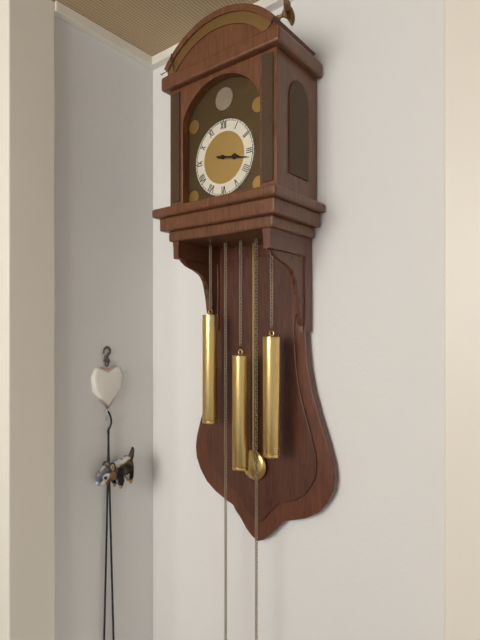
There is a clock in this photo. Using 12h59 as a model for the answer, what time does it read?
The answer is 3h17
